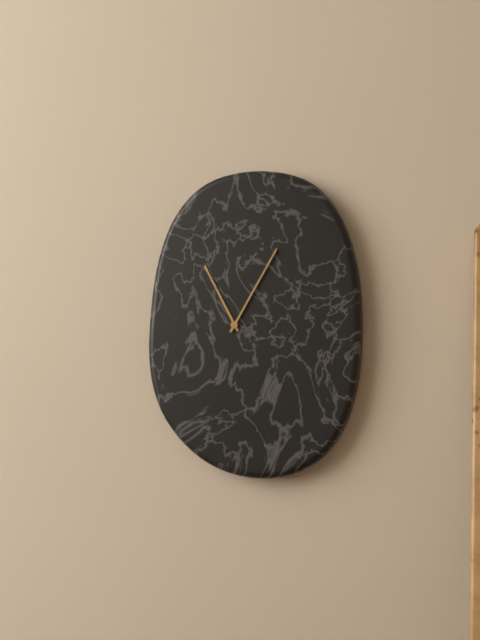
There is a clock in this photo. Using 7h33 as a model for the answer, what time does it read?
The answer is 11h05
